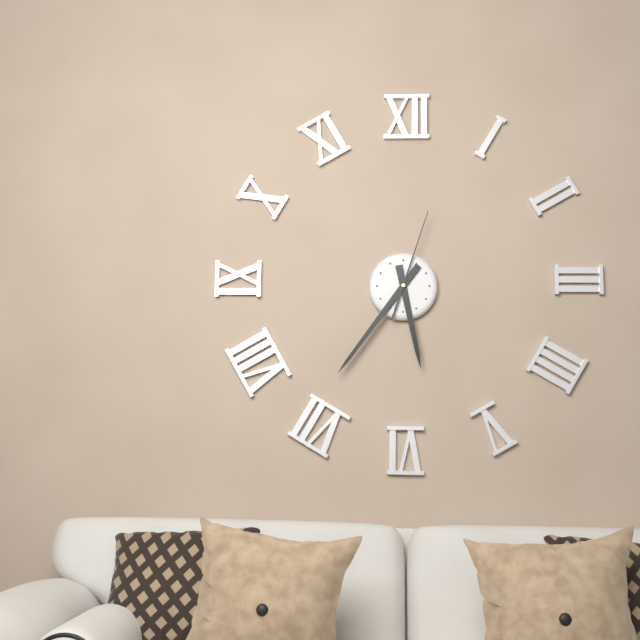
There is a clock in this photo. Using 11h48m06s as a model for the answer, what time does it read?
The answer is 5h36m03s
